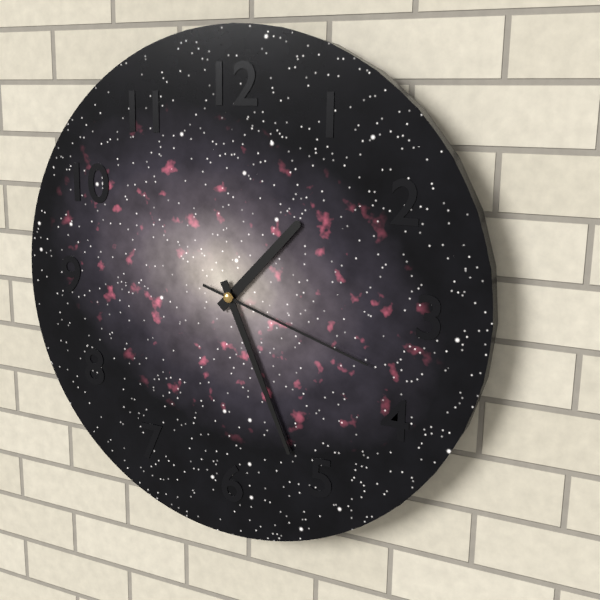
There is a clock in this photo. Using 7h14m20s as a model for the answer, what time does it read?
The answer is 1h26m18s
